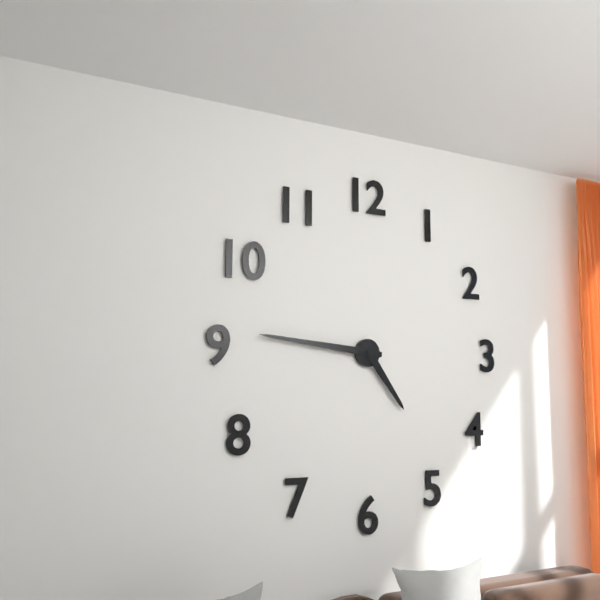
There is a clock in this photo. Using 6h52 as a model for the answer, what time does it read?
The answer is 4h46
